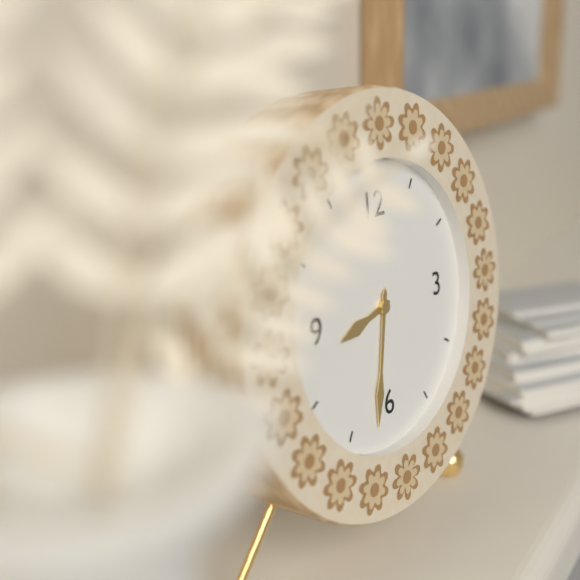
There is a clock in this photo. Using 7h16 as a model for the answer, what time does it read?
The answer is 8h32
